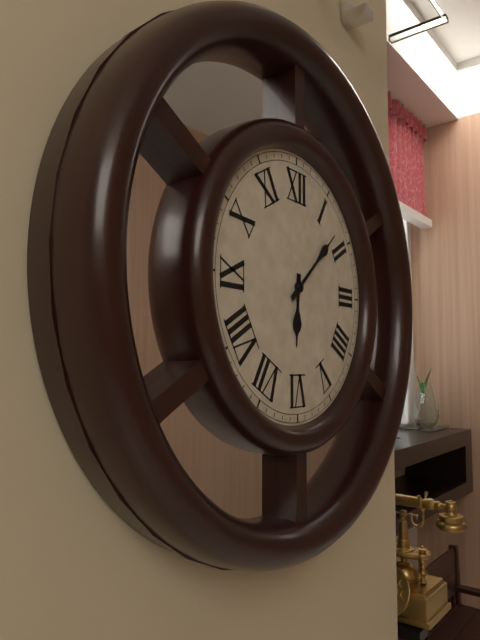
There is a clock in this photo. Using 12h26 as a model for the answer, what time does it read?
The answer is 6h08
